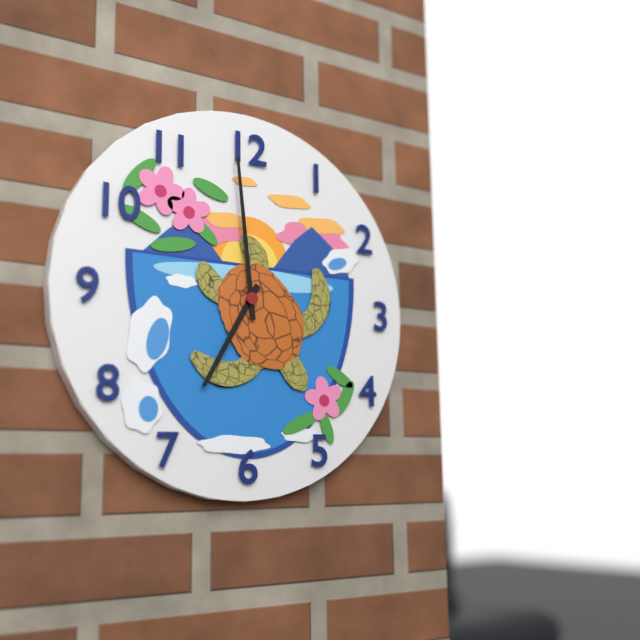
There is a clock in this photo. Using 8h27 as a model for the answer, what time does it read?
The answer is 6h59
